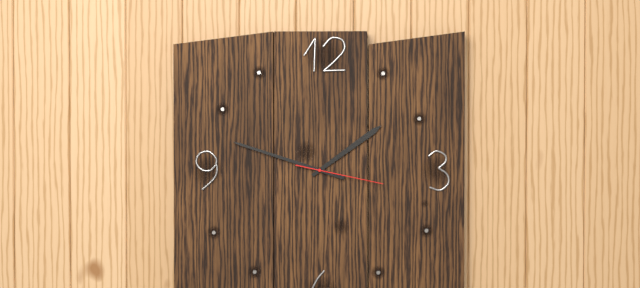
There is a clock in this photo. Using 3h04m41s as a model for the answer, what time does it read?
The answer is 1h48m17s
